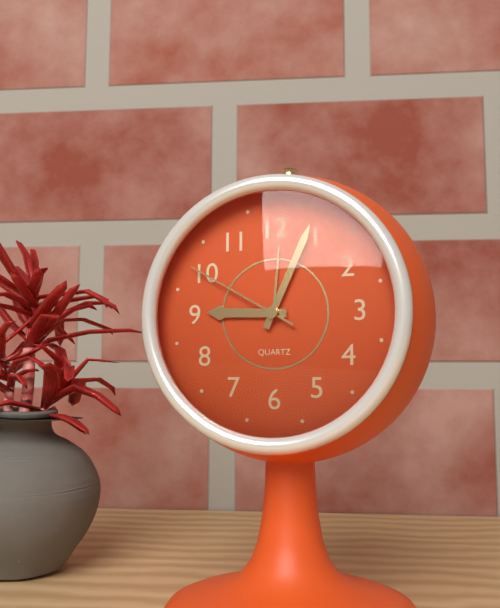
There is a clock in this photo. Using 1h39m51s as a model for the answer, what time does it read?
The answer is 9h04m50s
